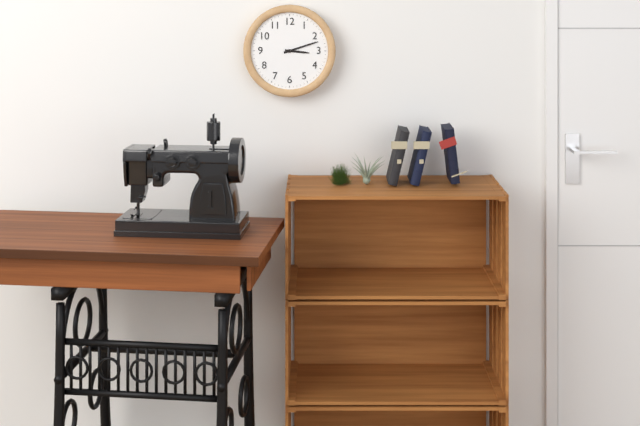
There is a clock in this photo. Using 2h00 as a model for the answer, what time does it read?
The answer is 3h12
